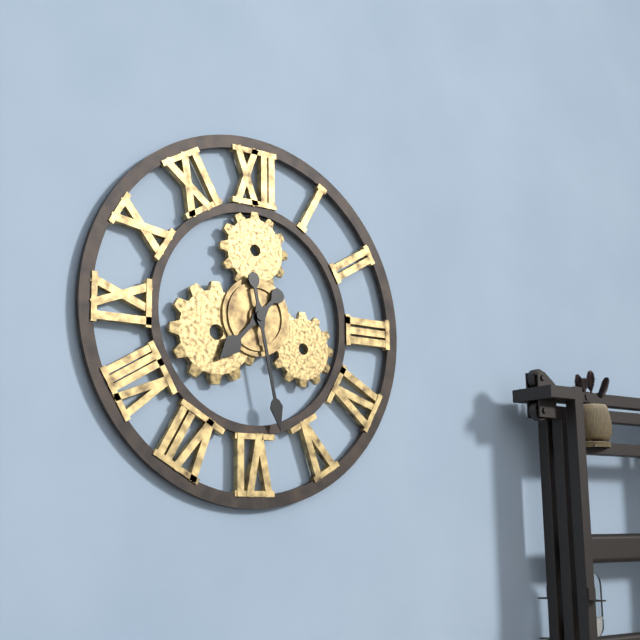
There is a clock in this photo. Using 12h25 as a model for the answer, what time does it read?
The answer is 7h28
